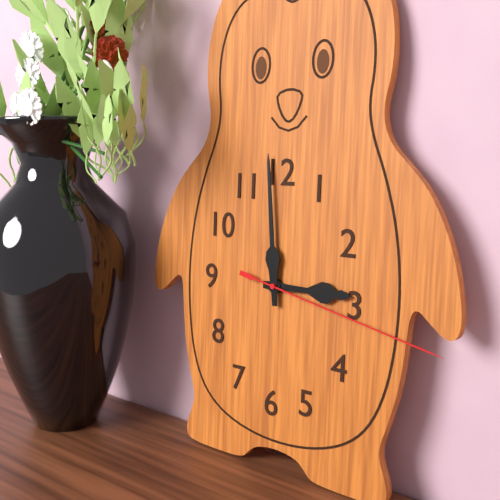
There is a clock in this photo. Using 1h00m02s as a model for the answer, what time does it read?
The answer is 2h59m17s
